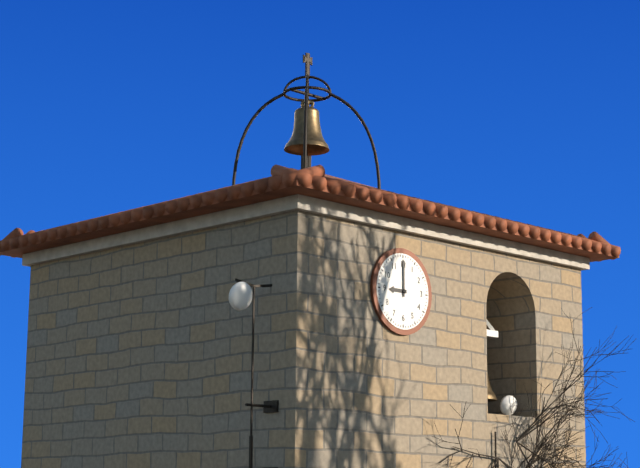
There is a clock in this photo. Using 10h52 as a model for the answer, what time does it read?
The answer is 9h00
